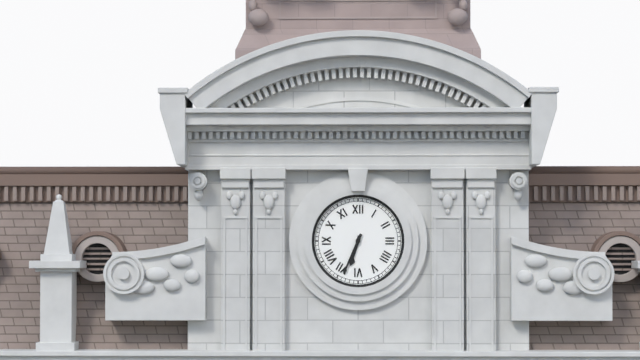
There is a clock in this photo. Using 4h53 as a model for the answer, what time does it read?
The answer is 6h34
